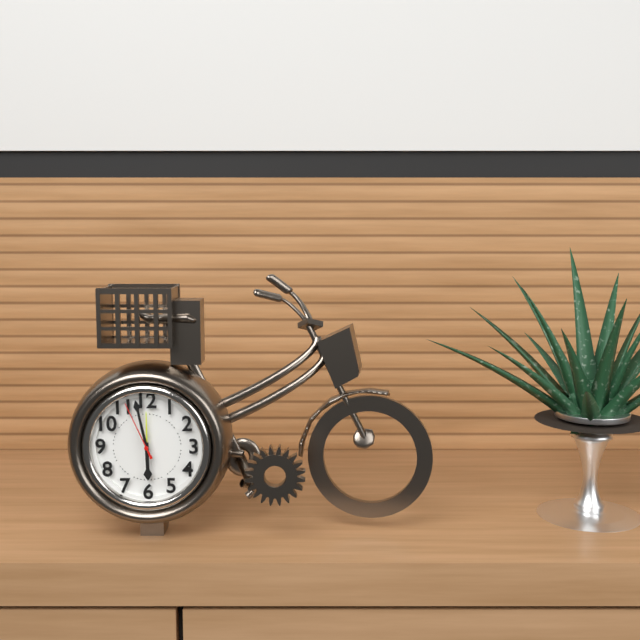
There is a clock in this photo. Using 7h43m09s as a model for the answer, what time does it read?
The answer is 5h58m56s
